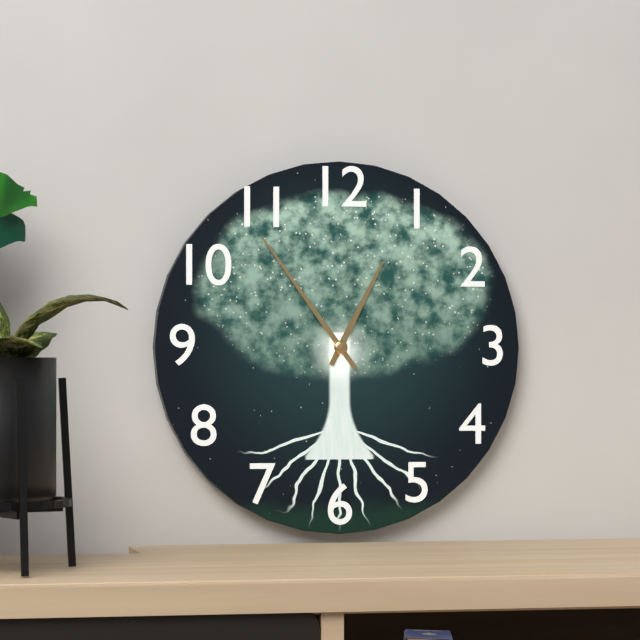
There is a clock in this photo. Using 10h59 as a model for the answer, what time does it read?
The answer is 12h54
